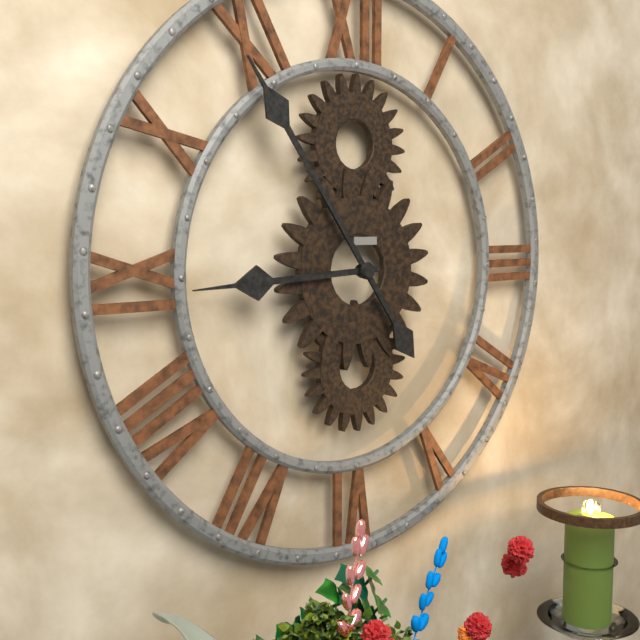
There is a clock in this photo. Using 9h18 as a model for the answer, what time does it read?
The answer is 8h54
